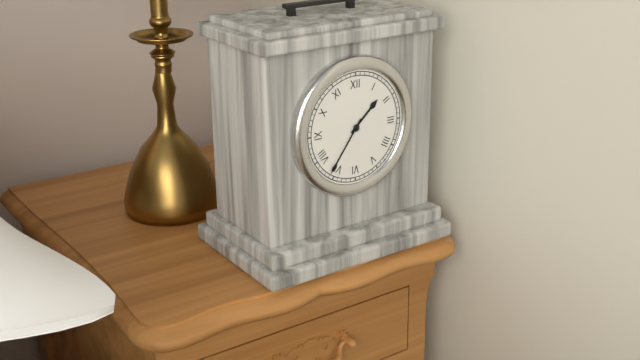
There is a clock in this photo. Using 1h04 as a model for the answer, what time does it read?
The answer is 1h36
